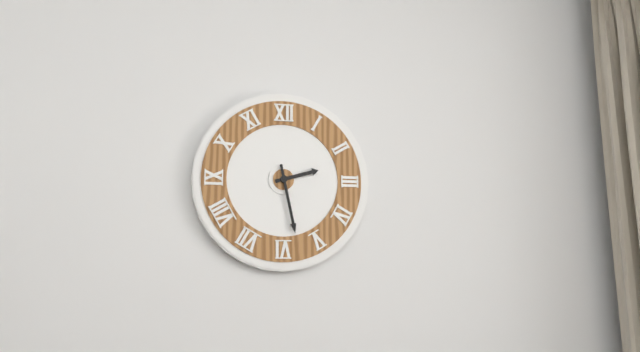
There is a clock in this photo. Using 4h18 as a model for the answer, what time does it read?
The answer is 2h28
